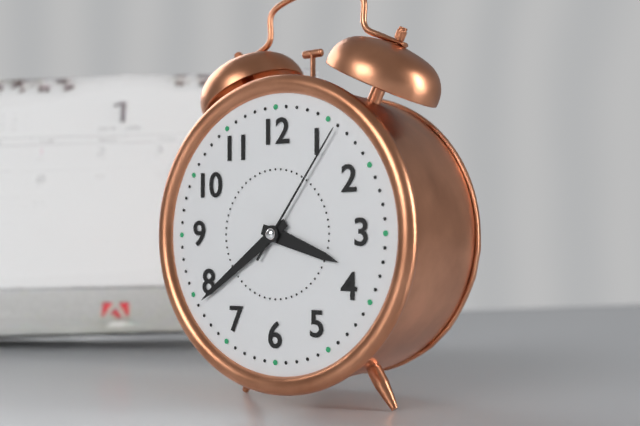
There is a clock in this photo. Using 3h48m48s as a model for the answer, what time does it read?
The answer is 3h39m06s
